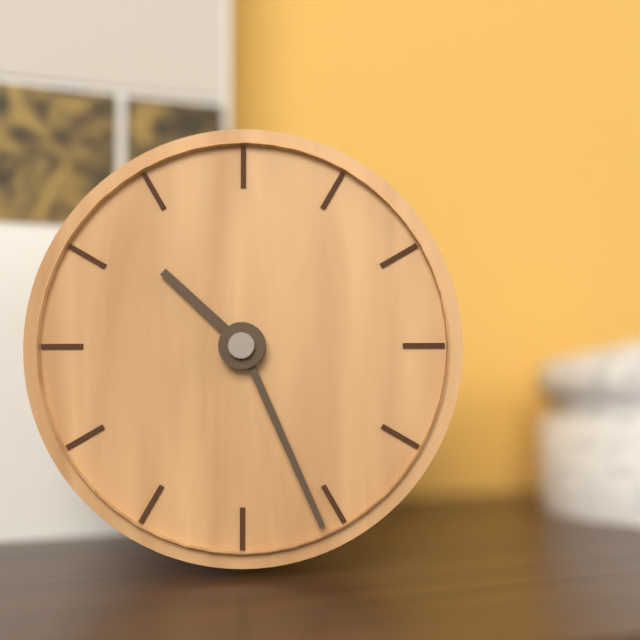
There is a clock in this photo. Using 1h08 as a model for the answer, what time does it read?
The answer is 10h26
